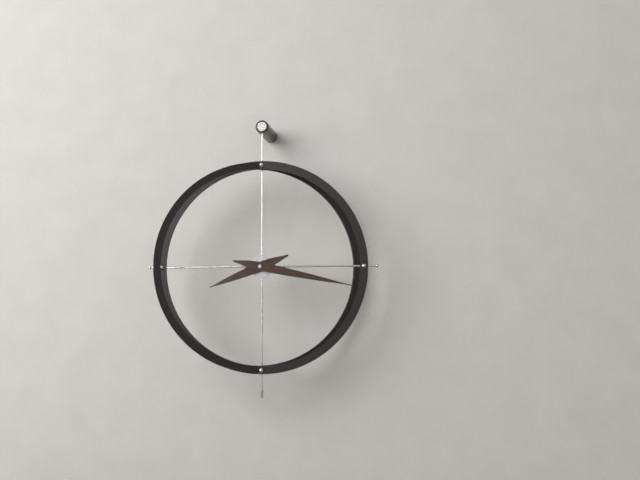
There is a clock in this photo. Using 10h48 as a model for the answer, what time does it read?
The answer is 8h17
